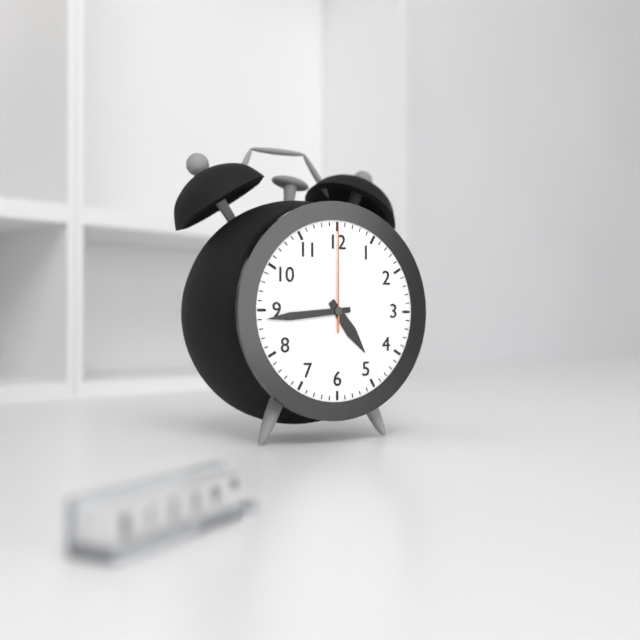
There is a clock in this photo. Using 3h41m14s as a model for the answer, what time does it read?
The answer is 4h44m00s
